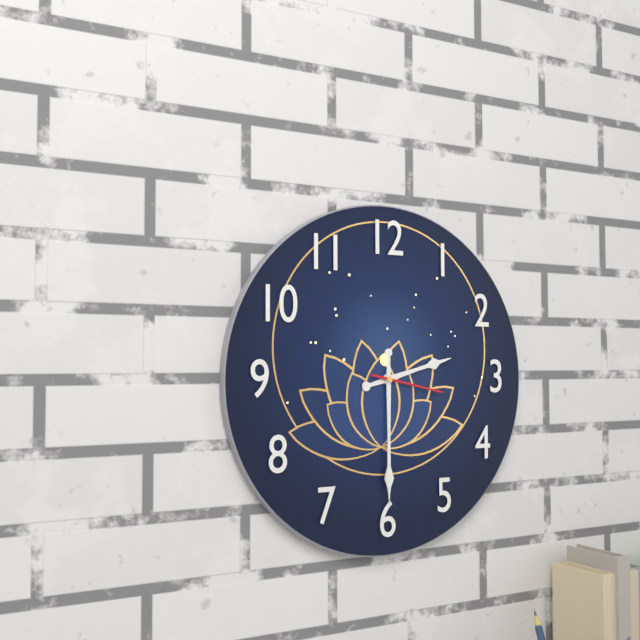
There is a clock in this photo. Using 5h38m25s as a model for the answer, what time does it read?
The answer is 2h30m17s
